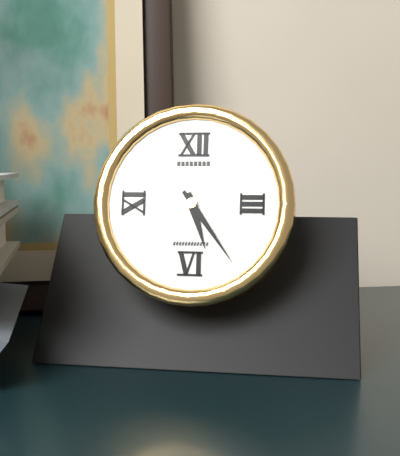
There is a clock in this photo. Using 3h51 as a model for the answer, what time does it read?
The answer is 5h24
